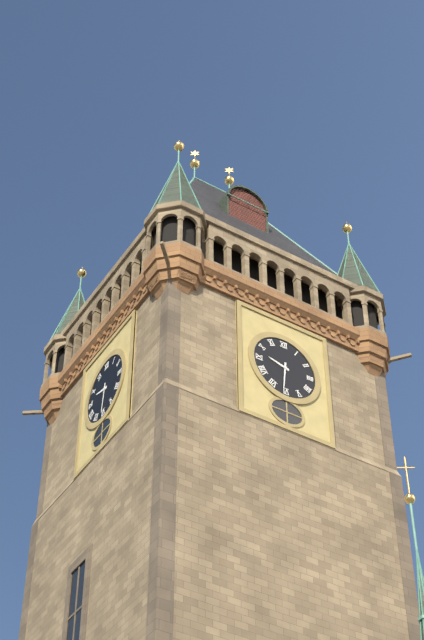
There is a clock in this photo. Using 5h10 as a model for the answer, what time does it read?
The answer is 9h31
